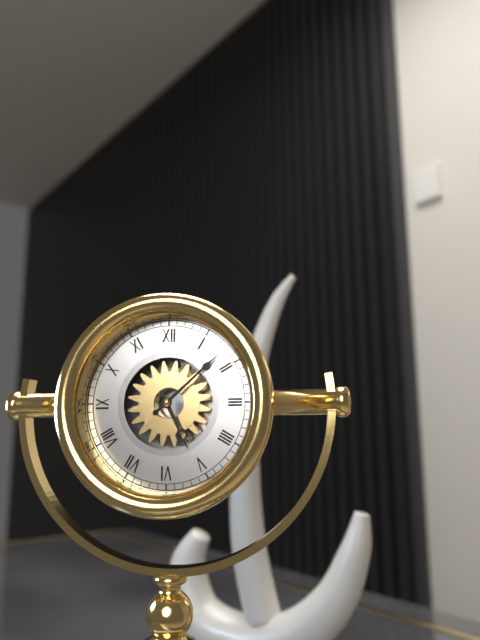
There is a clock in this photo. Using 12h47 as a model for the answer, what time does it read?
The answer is 5h08
